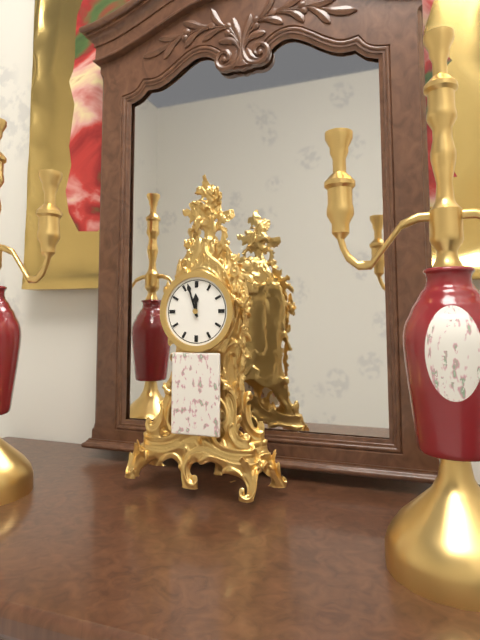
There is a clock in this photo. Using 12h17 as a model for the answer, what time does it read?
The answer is 11h57
